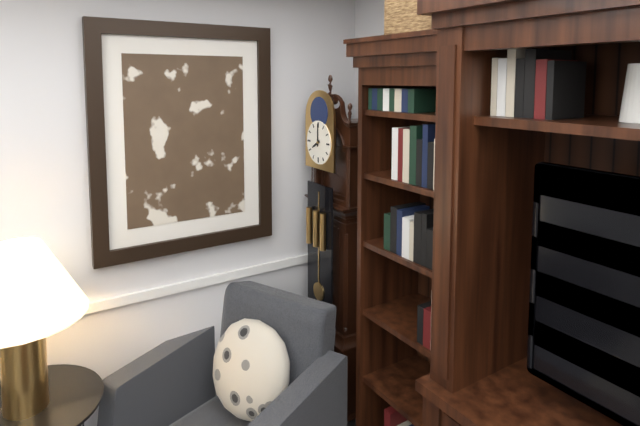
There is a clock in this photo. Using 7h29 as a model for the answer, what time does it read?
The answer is 8h00
